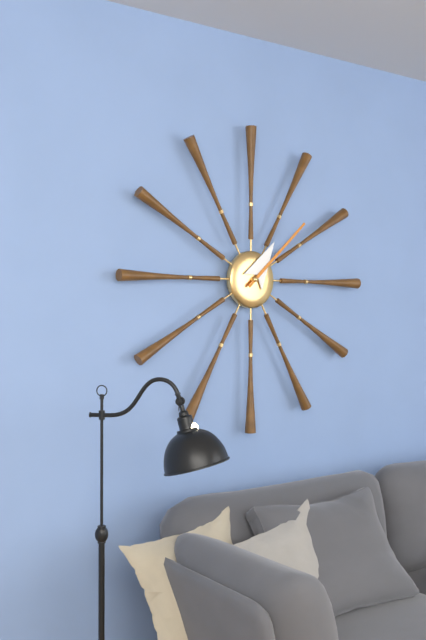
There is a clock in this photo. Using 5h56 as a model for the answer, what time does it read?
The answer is 1h08
